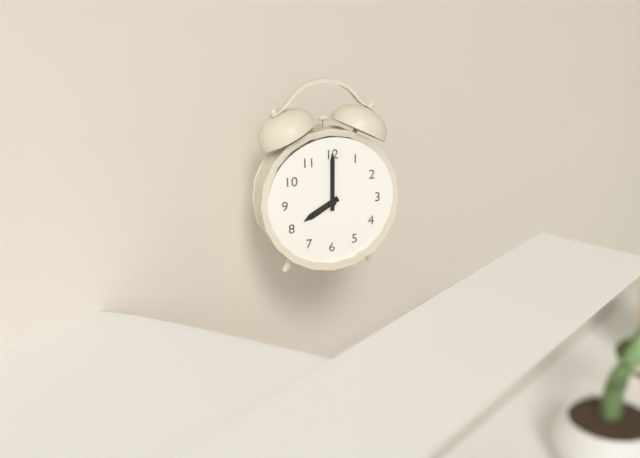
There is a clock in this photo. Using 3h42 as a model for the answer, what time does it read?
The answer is 8h00
